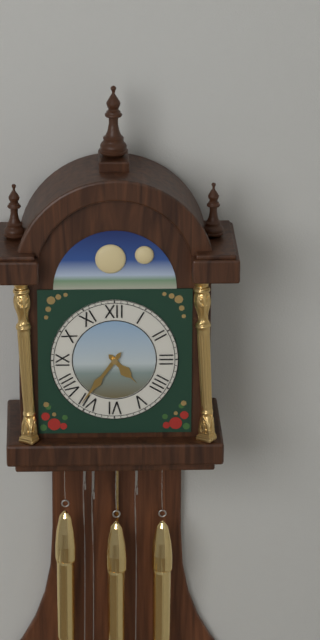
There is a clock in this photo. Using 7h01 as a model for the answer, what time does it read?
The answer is 4h36
